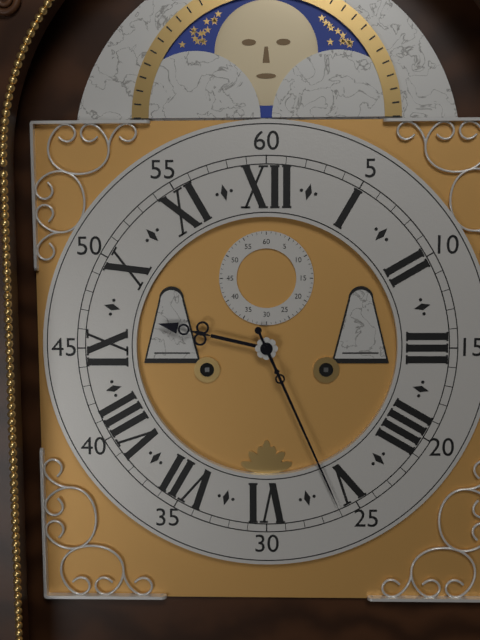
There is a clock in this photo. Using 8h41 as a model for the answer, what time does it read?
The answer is 9h26
